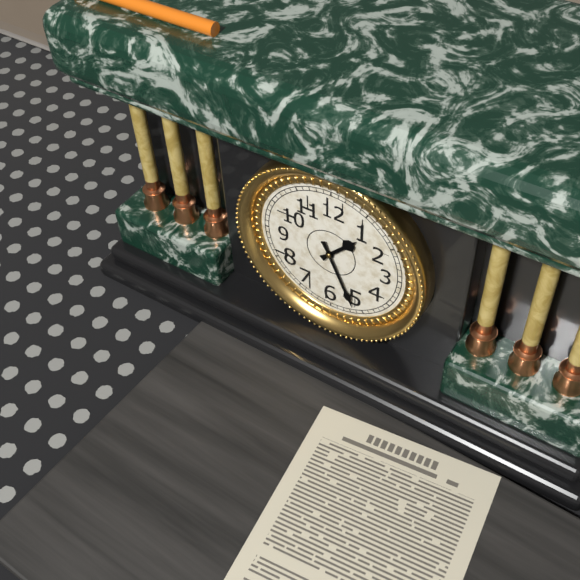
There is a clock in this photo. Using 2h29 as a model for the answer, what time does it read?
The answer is 1h26
